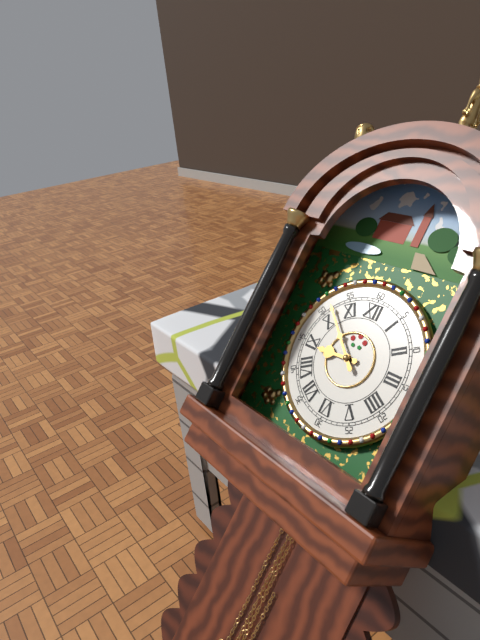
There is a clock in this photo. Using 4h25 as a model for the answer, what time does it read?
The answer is 8h52
